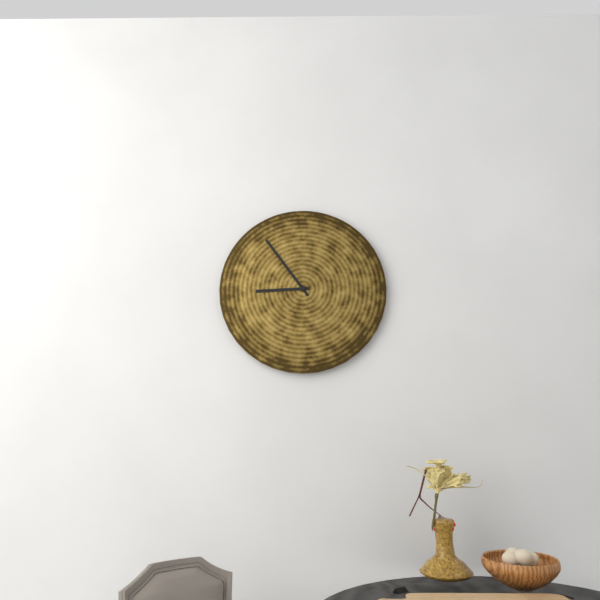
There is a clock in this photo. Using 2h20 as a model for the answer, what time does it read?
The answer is 8h54
